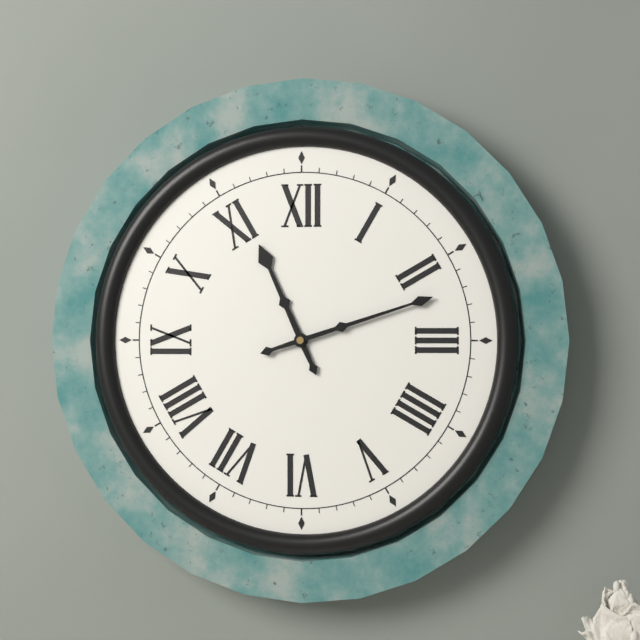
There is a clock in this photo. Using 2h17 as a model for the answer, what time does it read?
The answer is 11h12
